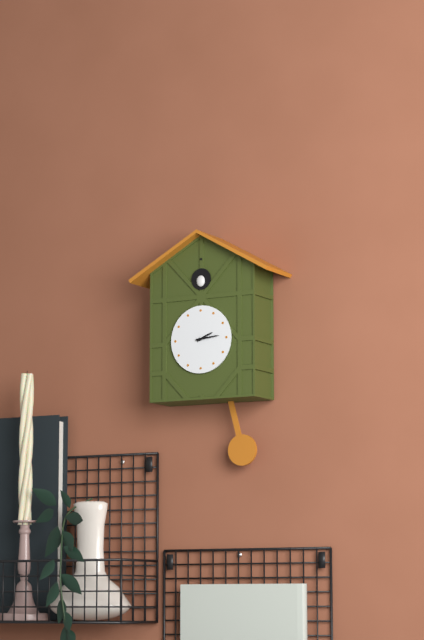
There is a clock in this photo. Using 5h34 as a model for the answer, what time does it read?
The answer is 2h14
